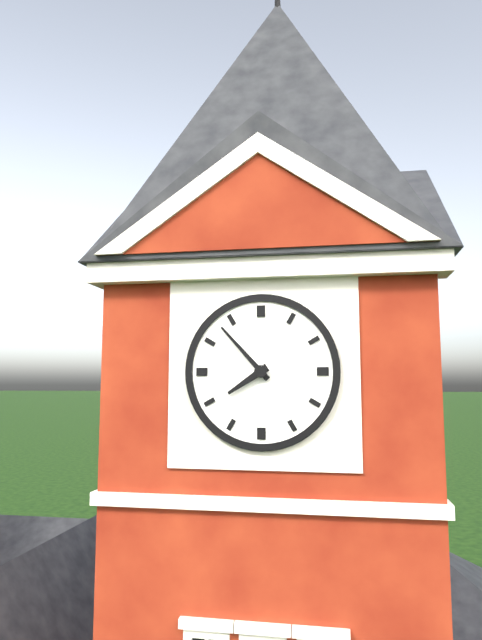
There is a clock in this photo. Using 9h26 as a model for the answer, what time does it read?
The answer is 7h53
